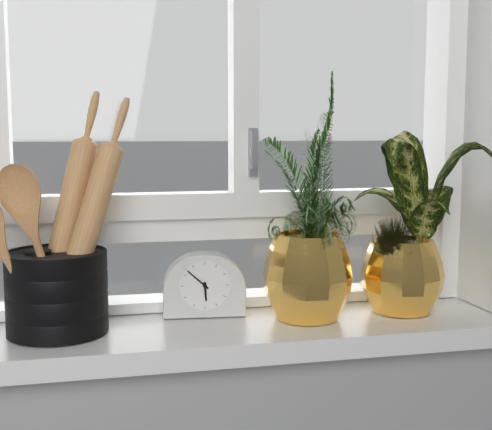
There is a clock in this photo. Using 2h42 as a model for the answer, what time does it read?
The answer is 5h52
